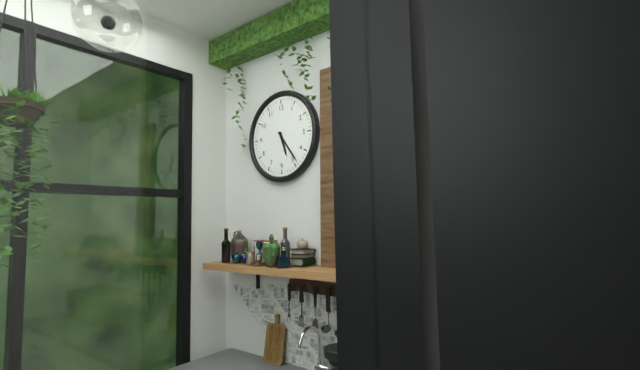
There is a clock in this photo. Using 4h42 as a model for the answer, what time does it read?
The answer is 5h24
